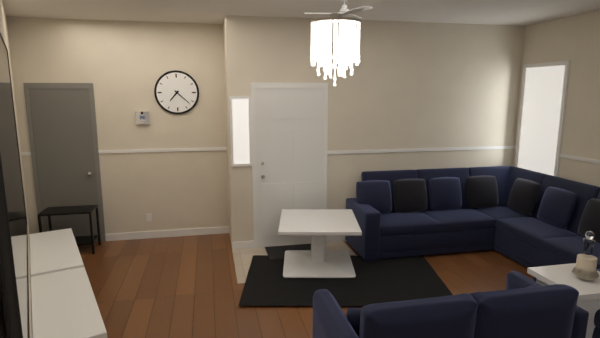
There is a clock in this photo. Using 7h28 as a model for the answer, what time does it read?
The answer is 7h22
